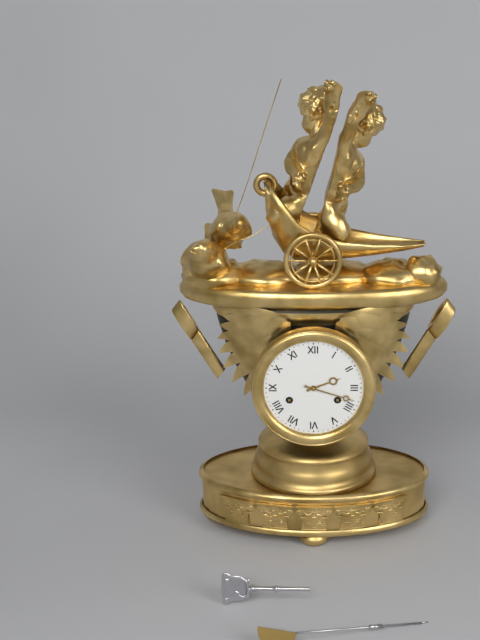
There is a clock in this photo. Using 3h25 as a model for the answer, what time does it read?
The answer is 2h18
